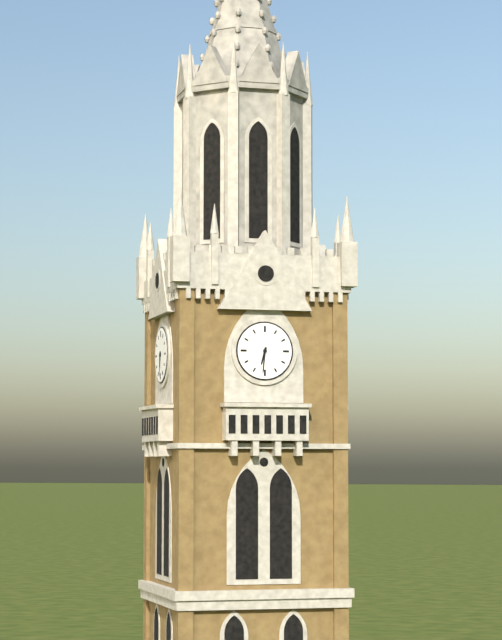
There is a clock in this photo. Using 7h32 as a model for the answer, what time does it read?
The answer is 6h31
